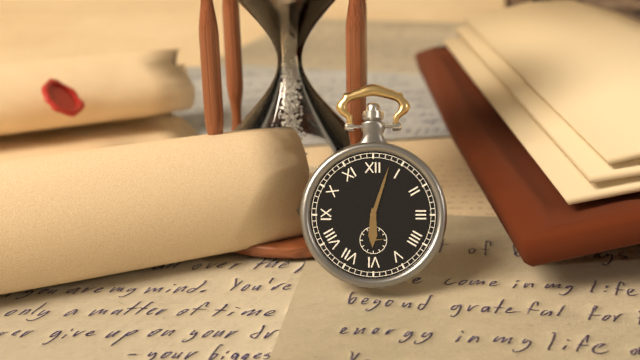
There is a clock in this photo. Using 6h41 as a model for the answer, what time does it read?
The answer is 6h03
